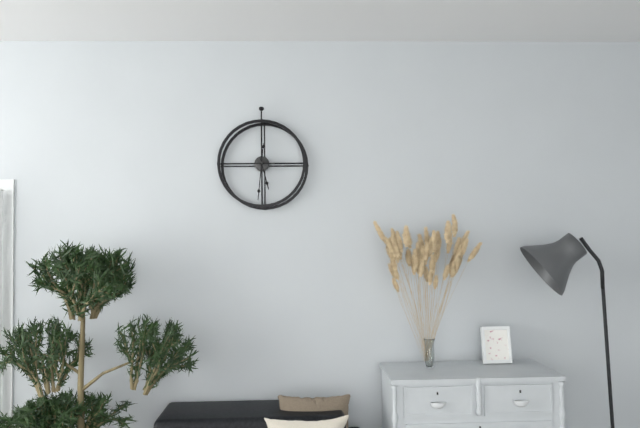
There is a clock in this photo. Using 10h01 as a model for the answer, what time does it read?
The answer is 5h31
